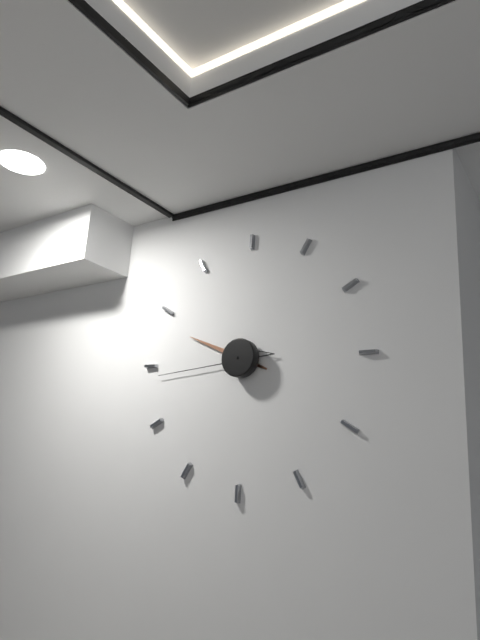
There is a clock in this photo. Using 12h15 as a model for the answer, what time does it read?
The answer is 9h44
